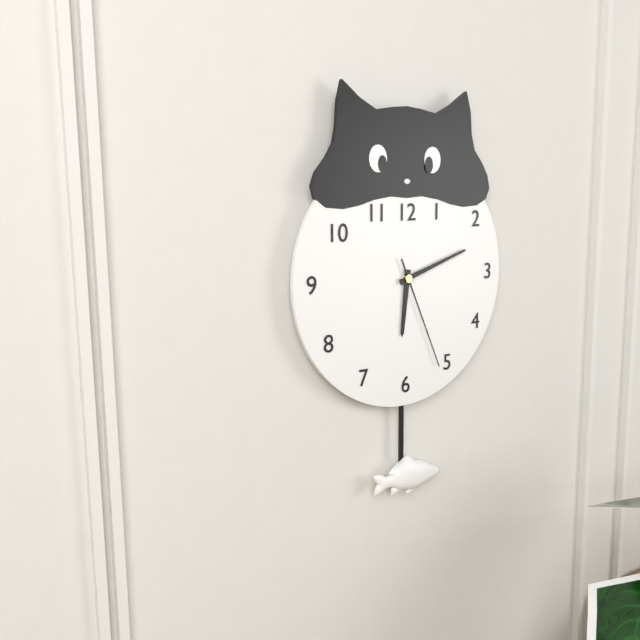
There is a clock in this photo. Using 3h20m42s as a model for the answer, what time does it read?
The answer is 6h12m26s
